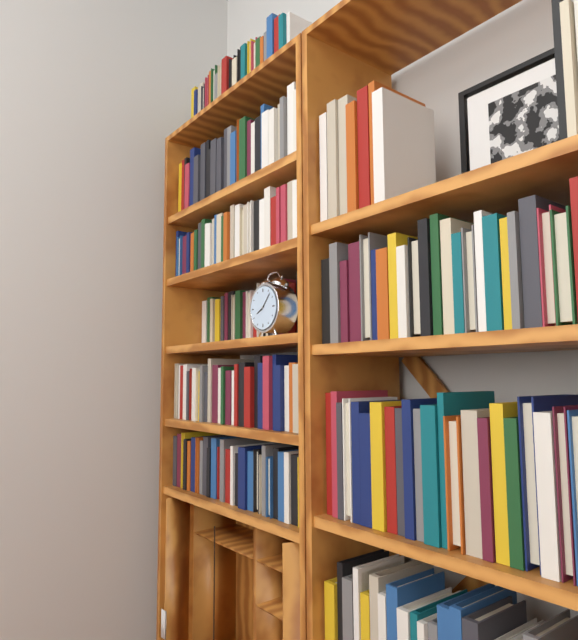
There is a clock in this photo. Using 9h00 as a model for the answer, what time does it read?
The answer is 8h07
